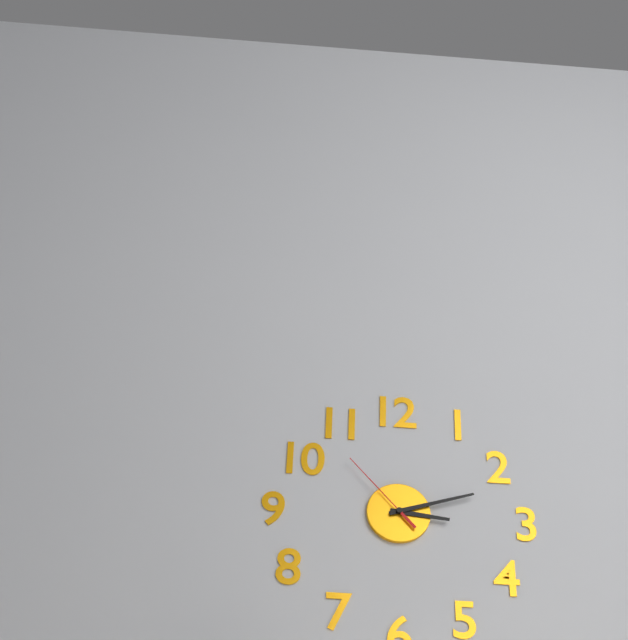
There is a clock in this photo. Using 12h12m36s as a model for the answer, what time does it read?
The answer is 3h12m53s
